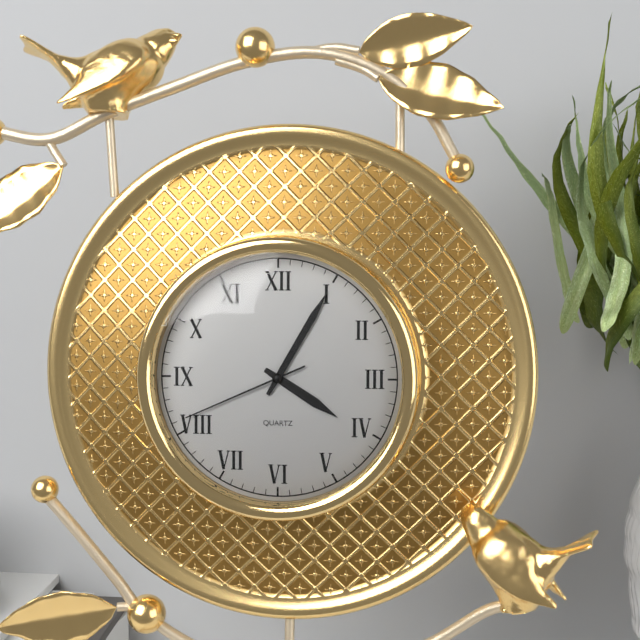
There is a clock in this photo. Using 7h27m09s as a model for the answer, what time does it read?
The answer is 4h05m41s
